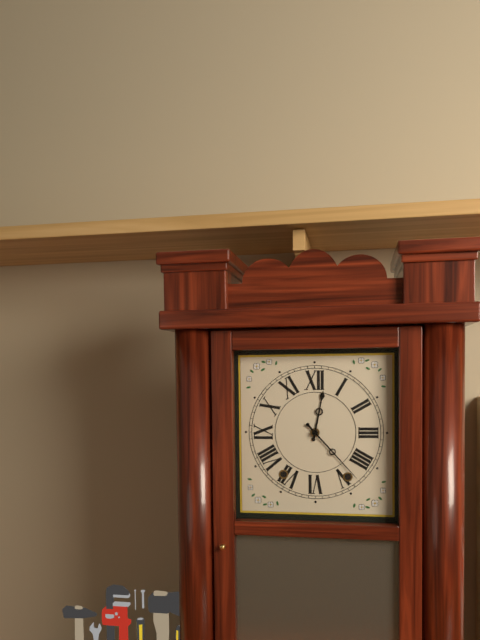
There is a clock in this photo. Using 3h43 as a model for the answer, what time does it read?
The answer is 12h23
